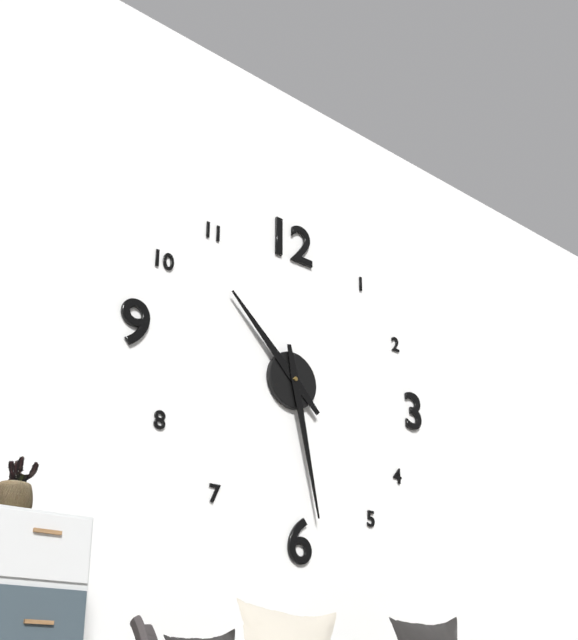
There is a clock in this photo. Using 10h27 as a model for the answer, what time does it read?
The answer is 10h28
